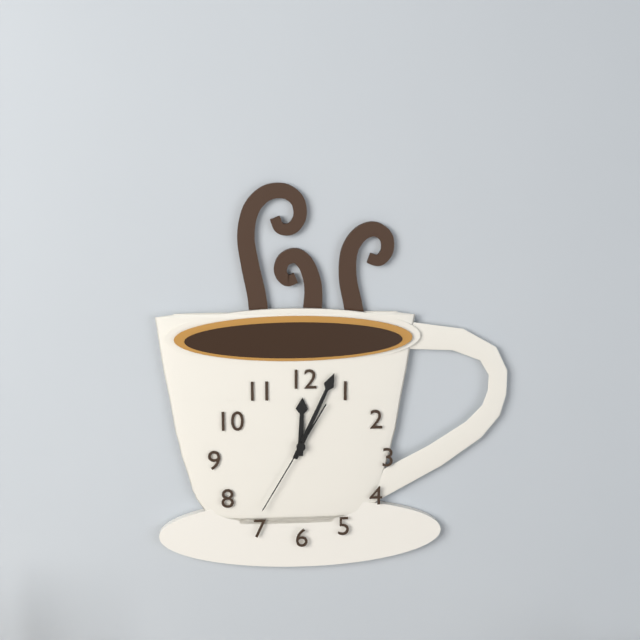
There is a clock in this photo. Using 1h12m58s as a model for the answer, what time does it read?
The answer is 12h04m35s
